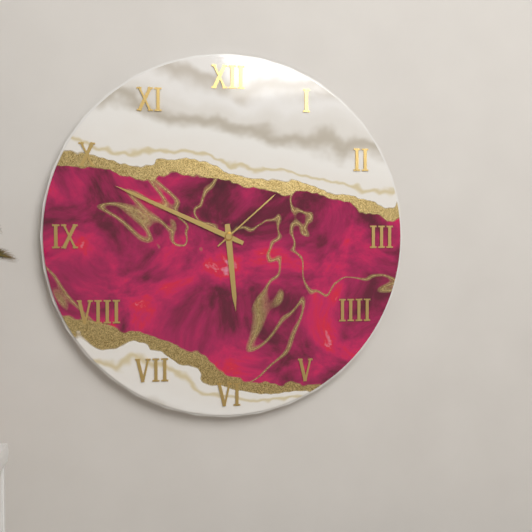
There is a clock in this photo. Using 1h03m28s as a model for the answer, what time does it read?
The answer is 5h49m08s
